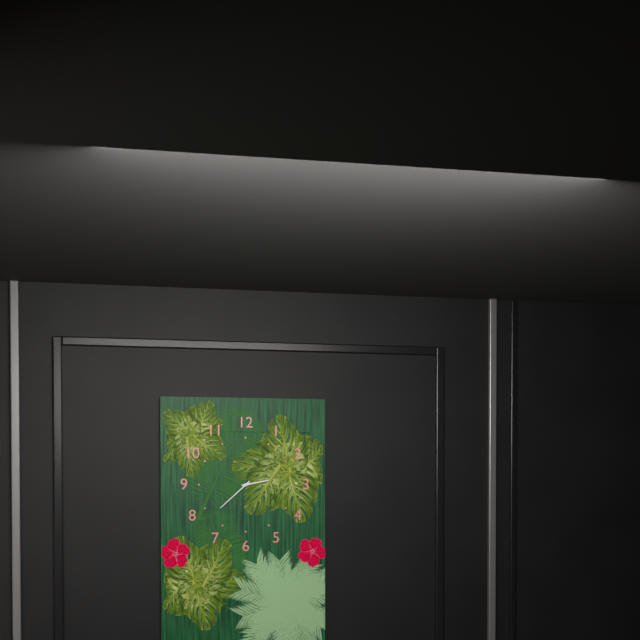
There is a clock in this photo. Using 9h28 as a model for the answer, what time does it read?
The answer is 2h38
